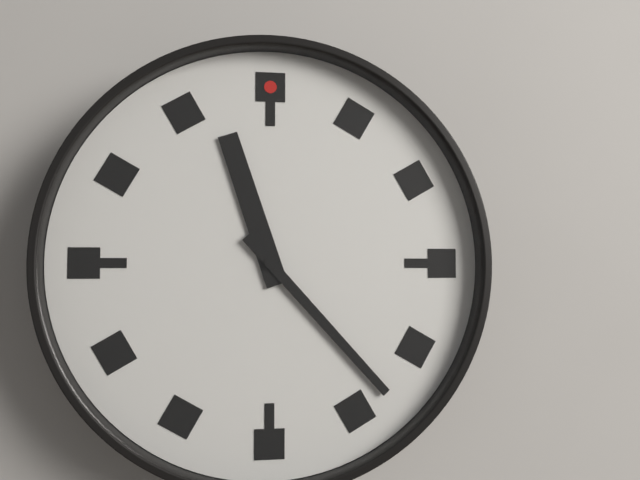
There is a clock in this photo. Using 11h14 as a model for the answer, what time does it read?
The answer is 11h23
